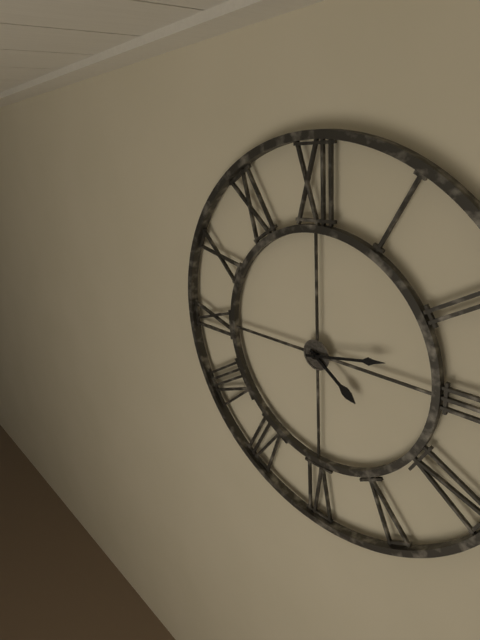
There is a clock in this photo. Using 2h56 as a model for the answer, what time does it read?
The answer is 4h13
